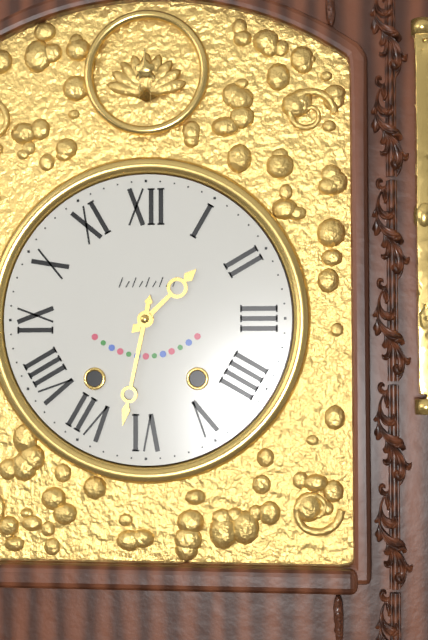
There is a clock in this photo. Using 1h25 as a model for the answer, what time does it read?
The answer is 1h32
